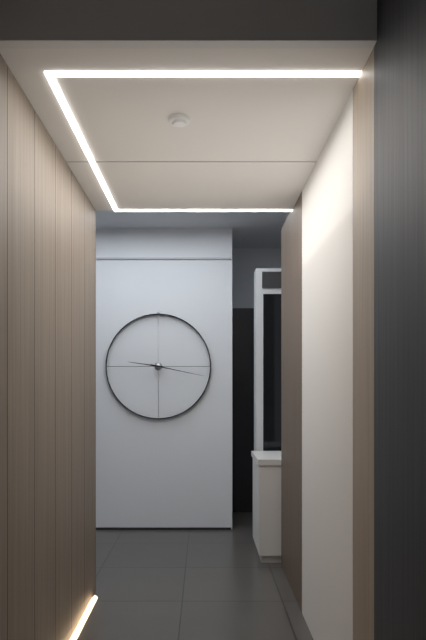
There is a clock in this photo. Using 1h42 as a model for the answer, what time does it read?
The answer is 9h17
